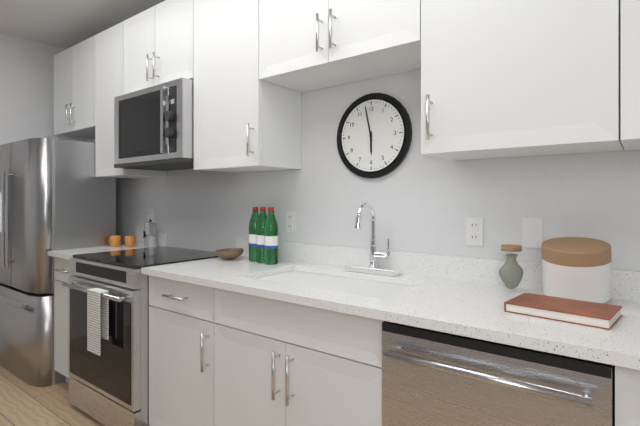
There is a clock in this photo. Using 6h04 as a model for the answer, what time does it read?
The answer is 5h58
